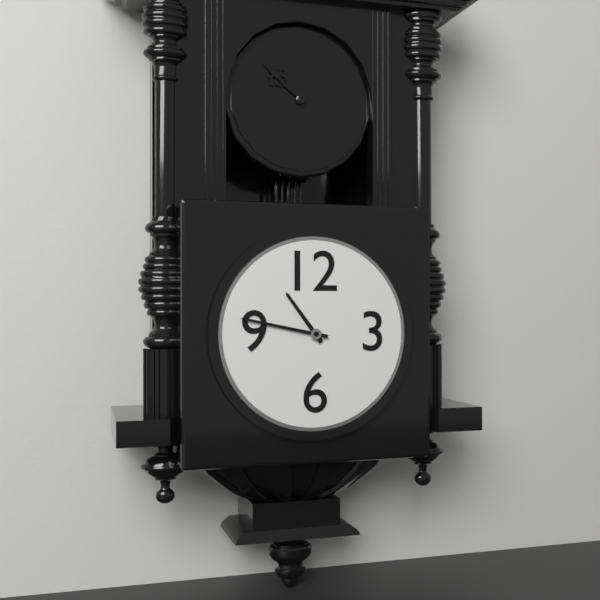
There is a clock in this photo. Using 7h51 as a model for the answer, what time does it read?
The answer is 10h47
